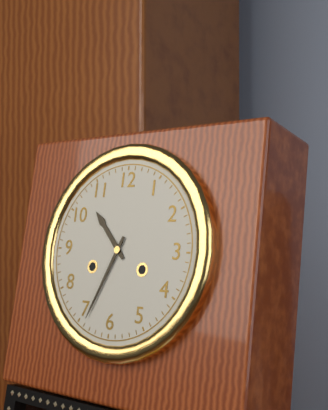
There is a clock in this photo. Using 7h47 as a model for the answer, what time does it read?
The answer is 10h34
